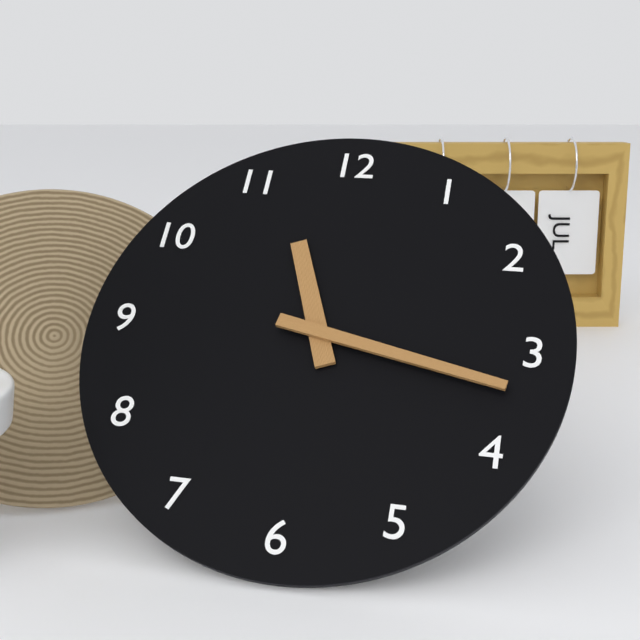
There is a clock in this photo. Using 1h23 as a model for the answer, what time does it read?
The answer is 11h17
